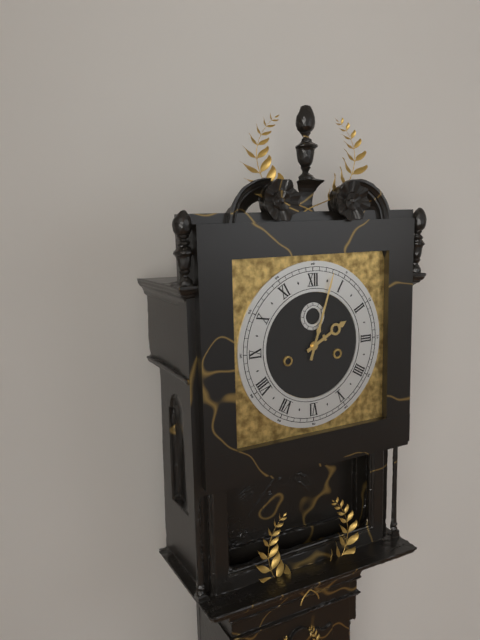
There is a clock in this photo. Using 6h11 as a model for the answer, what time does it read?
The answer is 2h03
